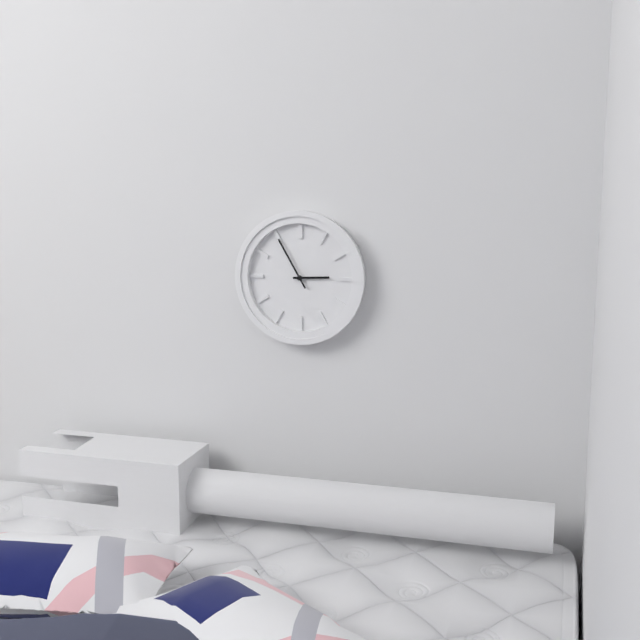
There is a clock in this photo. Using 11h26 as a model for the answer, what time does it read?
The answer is 2h55
